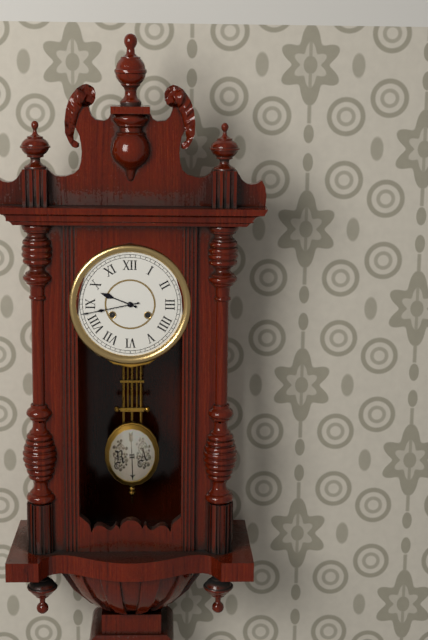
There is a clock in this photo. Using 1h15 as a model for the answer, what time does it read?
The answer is 9h43
